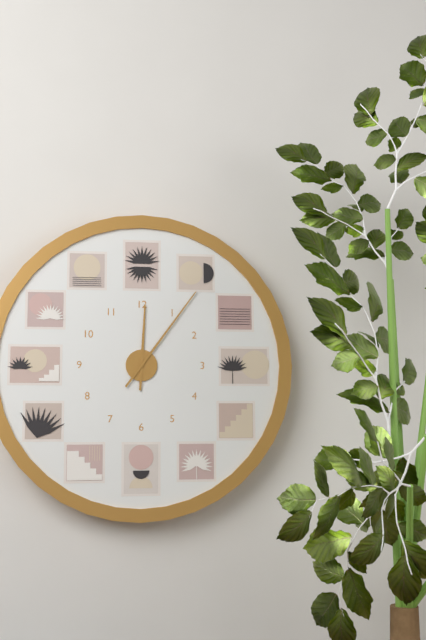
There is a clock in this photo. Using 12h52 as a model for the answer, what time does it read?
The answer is 12h06
